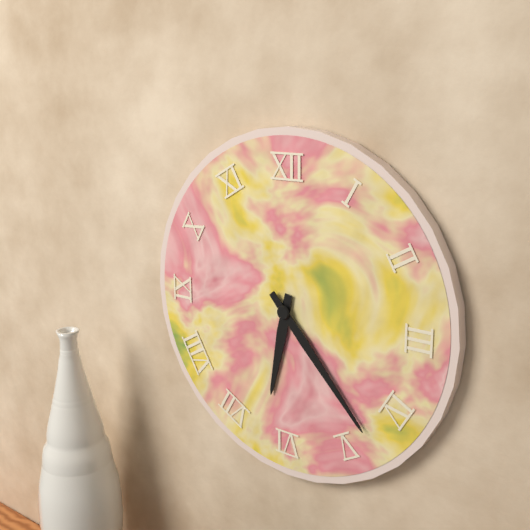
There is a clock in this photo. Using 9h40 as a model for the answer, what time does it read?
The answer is 6h23
